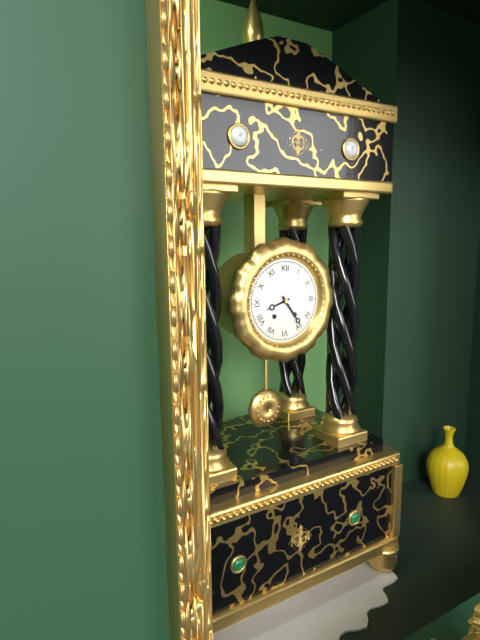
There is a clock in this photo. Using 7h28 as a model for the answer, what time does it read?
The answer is 8h24
